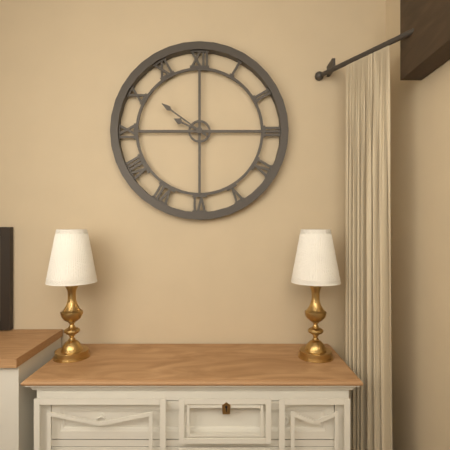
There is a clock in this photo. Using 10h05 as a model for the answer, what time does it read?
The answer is 9h51
